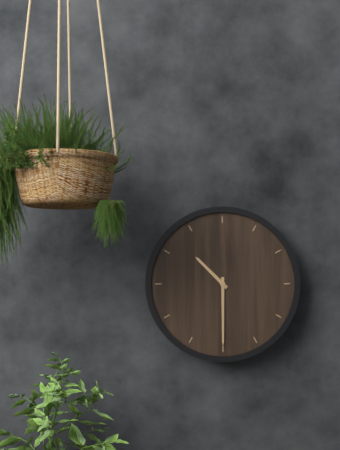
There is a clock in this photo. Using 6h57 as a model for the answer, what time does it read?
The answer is 10h30
